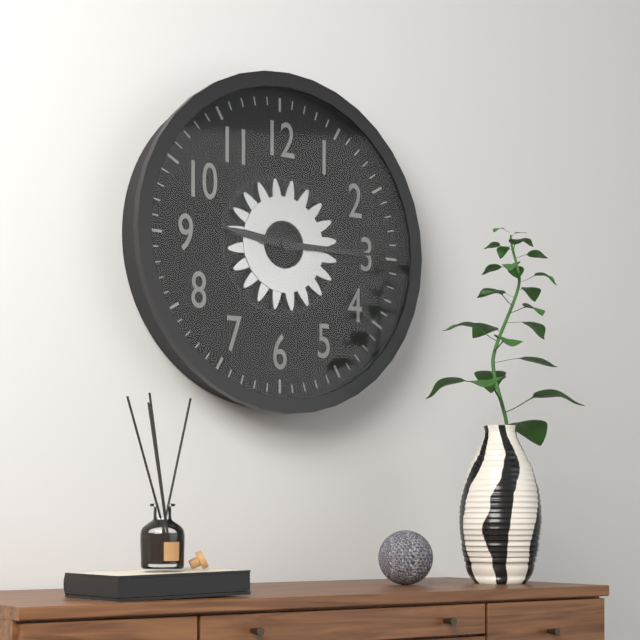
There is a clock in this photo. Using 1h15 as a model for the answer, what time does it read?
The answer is 9h15
